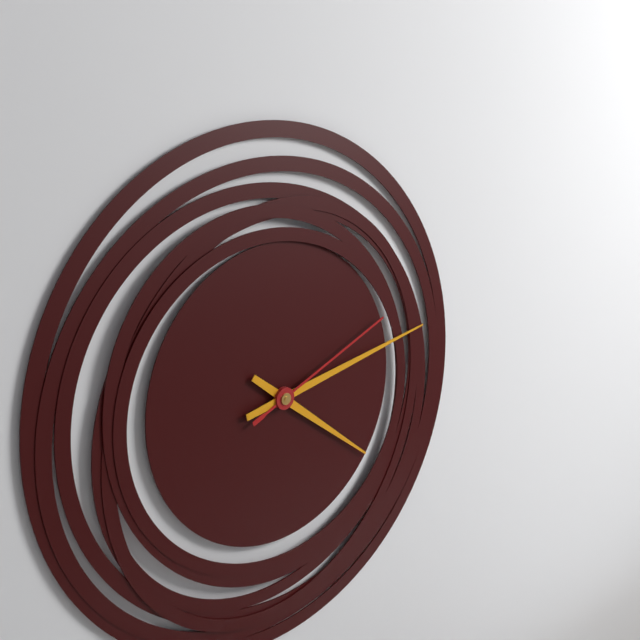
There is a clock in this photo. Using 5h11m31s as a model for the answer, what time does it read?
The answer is 4h13m11s
